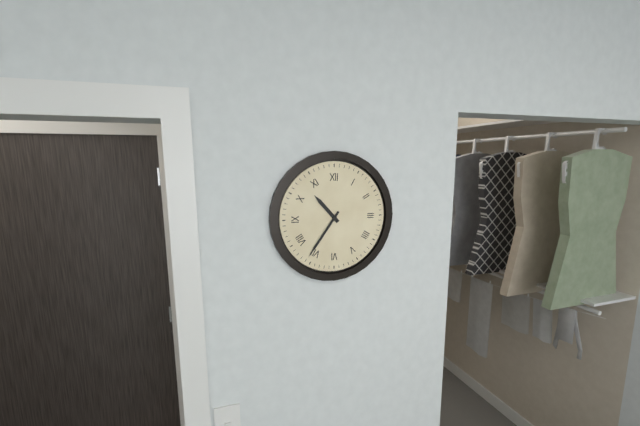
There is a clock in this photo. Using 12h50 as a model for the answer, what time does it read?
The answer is 10h36
